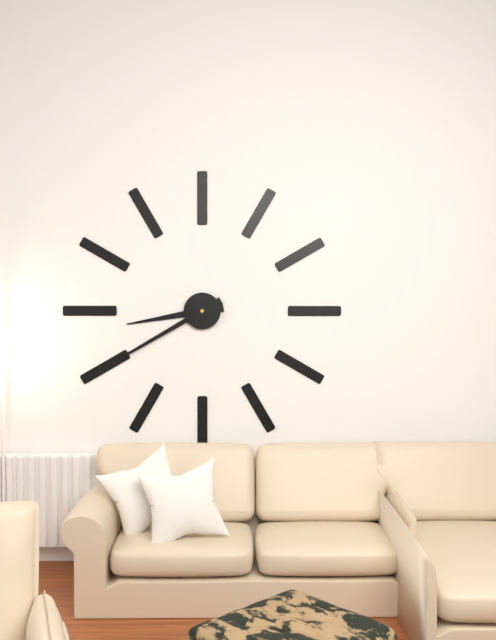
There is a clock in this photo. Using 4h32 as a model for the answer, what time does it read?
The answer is 8h40
